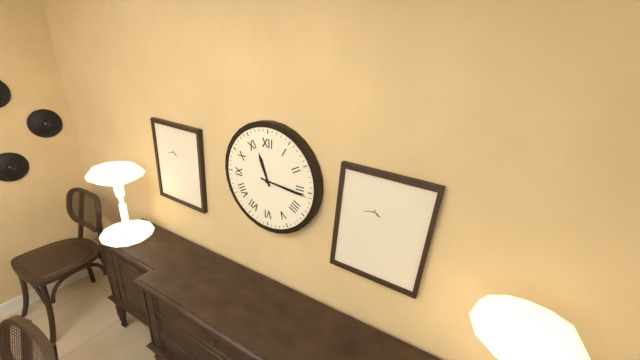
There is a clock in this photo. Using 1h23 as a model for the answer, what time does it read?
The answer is 11h16
